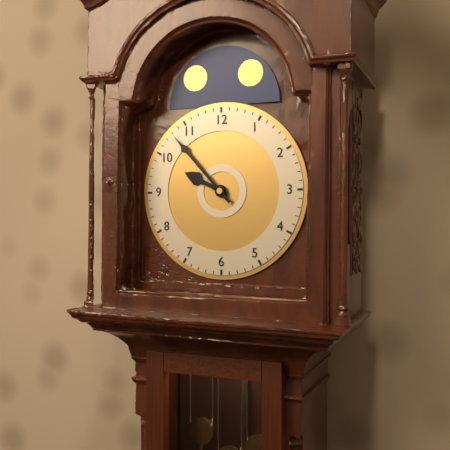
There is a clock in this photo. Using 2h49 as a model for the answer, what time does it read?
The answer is 9h53
